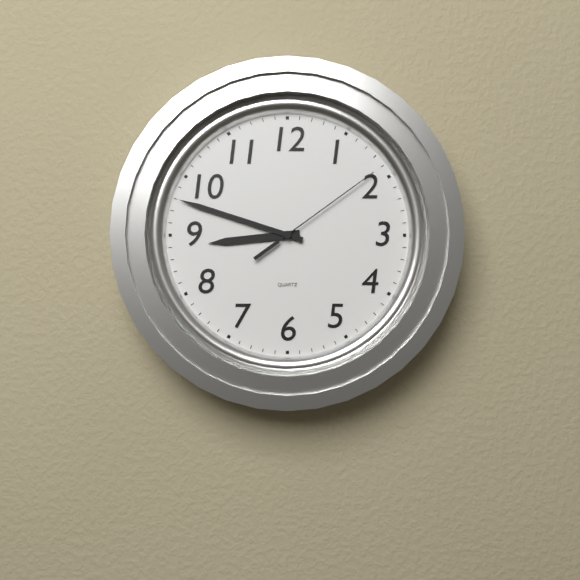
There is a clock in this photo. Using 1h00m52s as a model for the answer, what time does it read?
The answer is 8h48m09s
